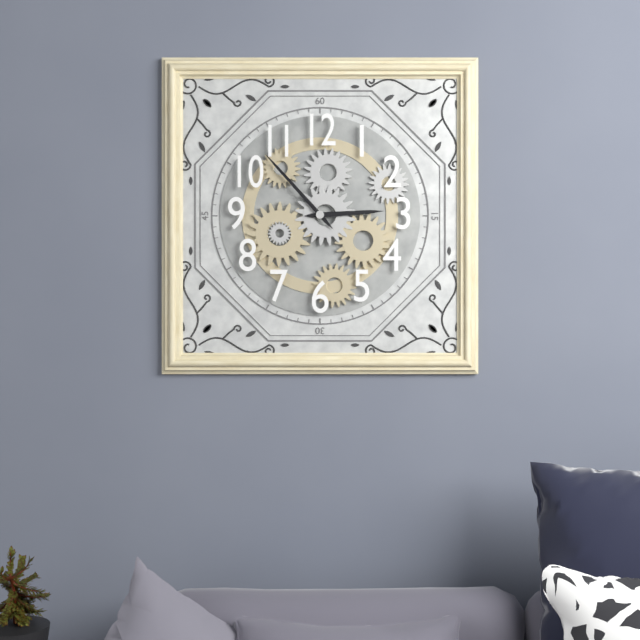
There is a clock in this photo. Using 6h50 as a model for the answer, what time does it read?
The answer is 2h53
